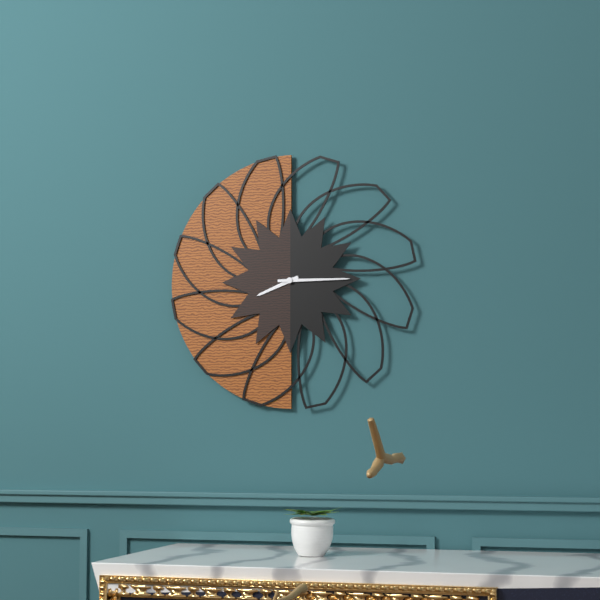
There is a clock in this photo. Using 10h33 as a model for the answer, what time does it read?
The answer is 8h15
